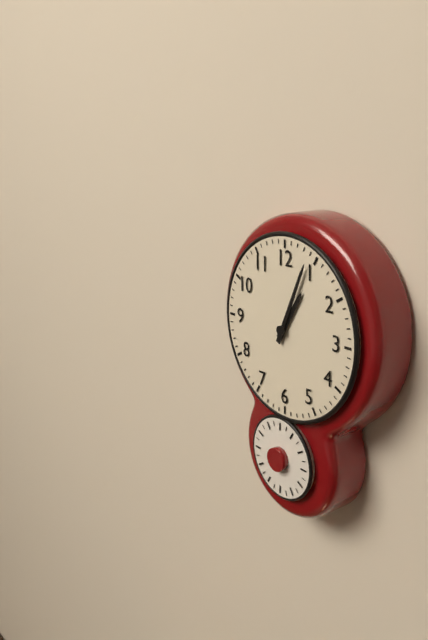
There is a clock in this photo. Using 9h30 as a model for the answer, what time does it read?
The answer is 1h04
